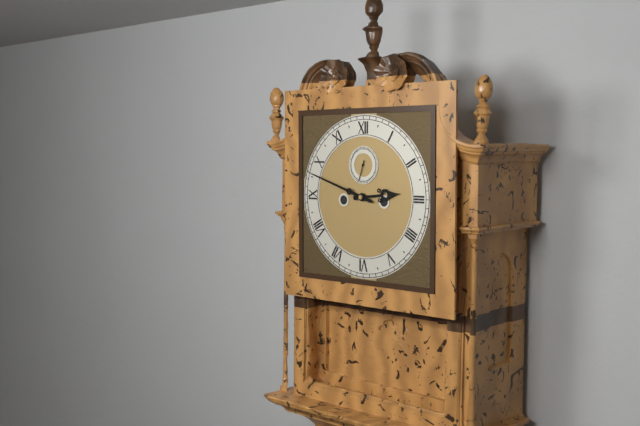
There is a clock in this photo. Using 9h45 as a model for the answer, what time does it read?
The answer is 2h48
